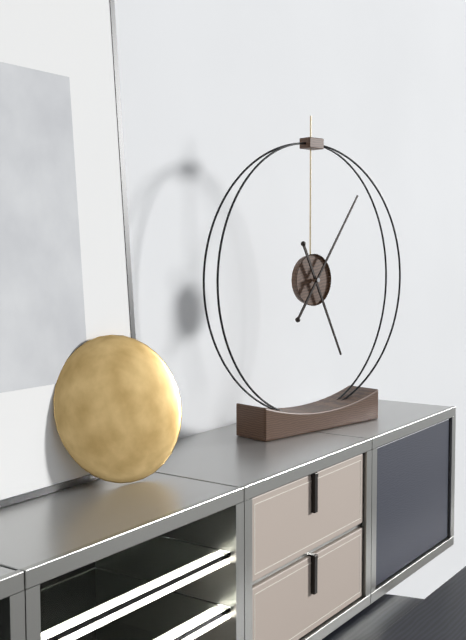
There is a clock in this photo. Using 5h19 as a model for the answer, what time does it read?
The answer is 5h06
